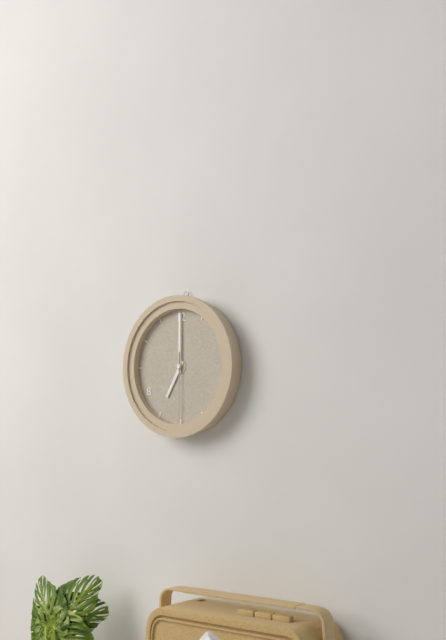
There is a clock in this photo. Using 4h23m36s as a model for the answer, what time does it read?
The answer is 7h00m30s
